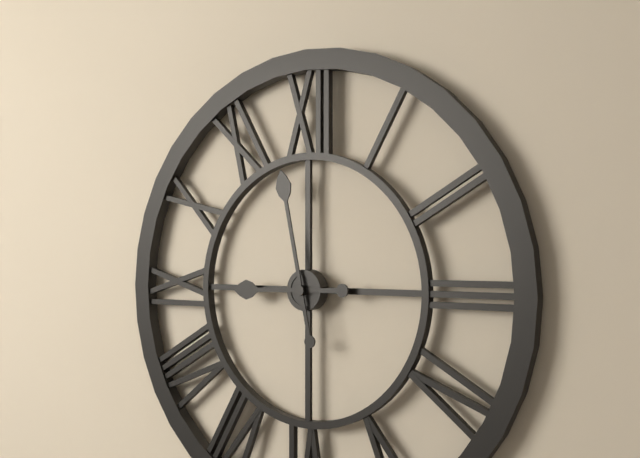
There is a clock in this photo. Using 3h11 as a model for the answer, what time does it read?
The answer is 8h58
